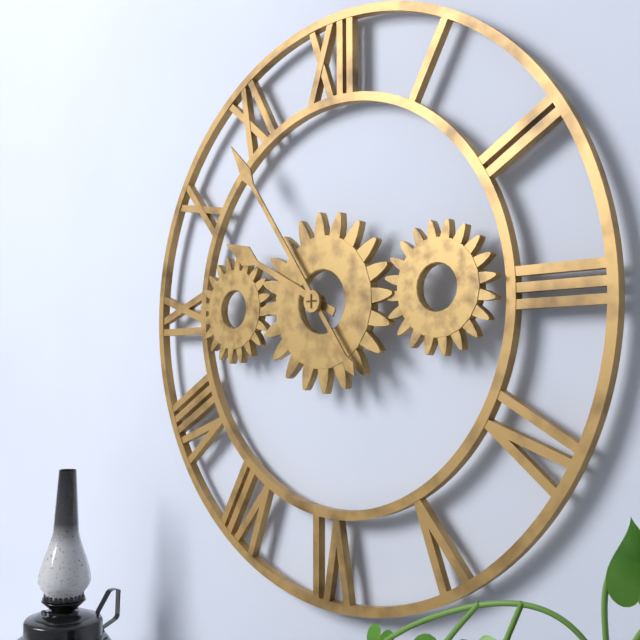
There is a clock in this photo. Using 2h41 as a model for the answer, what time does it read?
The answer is 9h54
